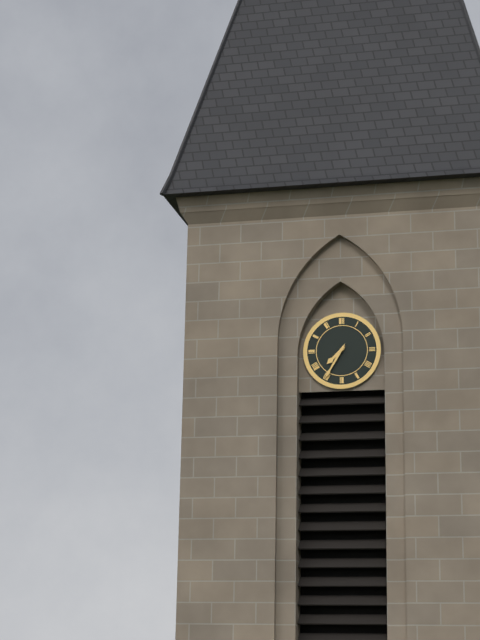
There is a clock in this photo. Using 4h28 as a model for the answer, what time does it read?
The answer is 7h35
